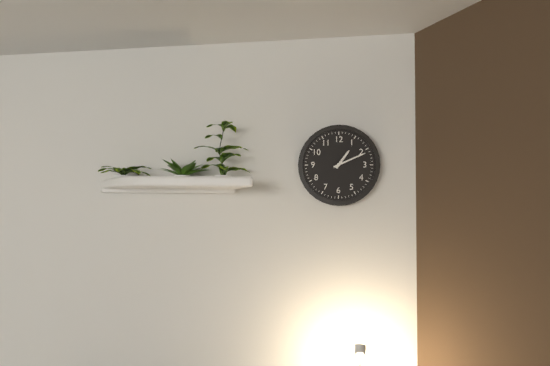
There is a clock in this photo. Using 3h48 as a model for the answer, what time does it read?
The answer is 1h11
